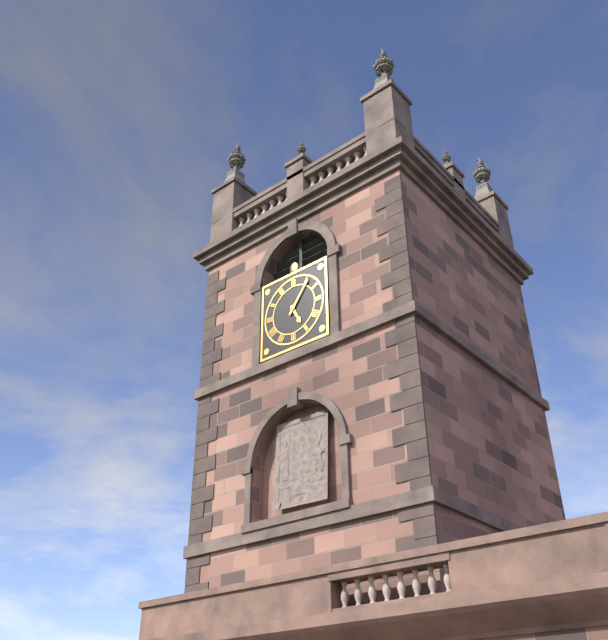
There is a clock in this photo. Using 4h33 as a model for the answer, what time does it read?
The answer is 5h06
